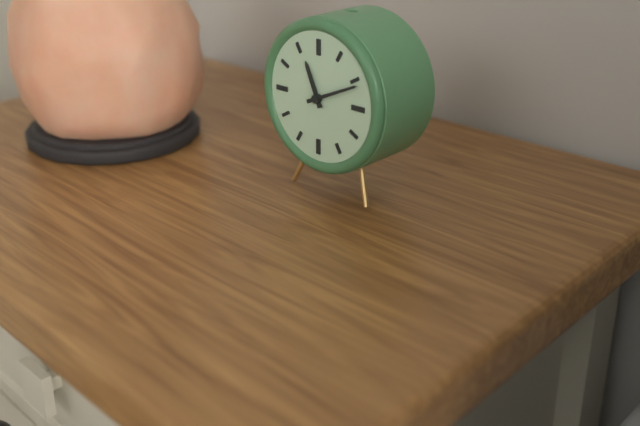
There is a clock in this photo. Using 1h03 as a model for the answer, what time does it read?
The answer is 11h11
